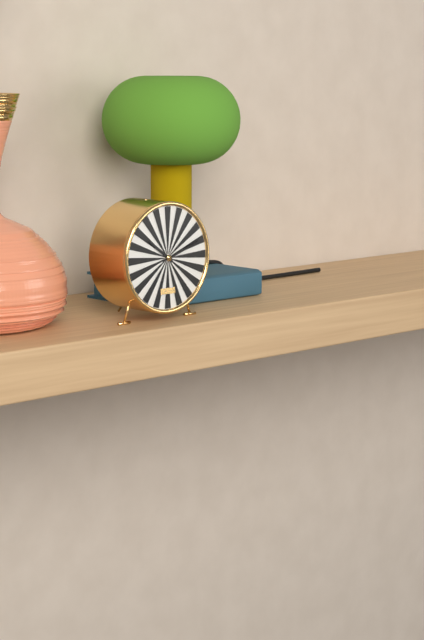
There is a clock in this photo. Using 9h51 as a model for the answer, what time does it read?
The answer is 10h12
